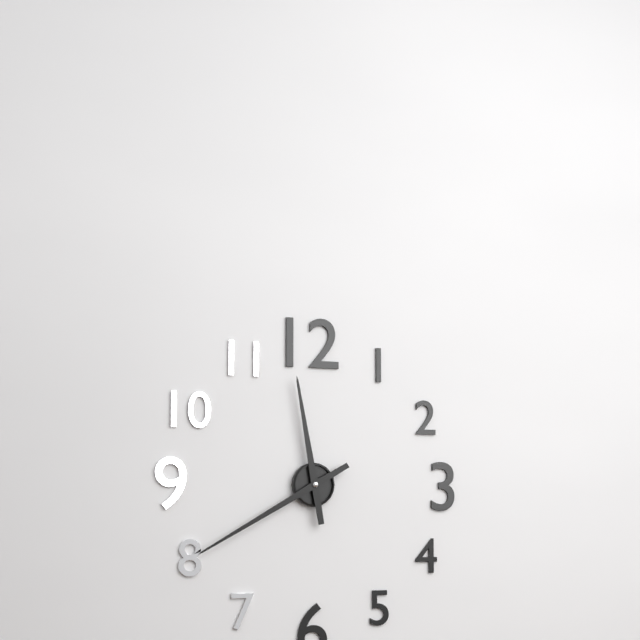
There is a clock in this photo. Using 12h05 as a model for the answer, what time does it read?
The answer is 11h40
